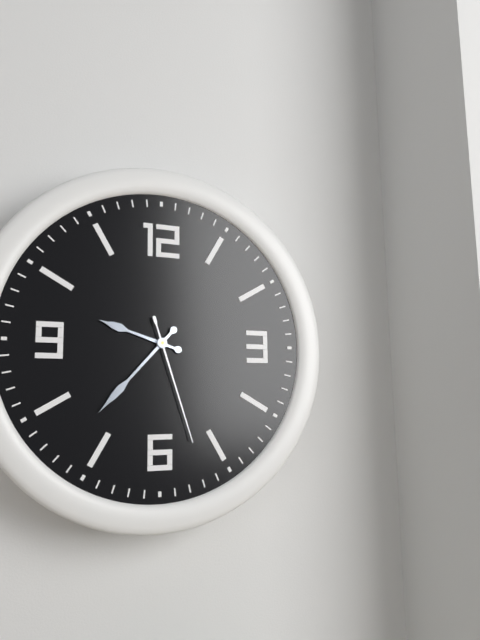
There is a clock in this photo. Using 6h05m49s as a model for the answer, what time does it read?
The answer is 9h37m27s
